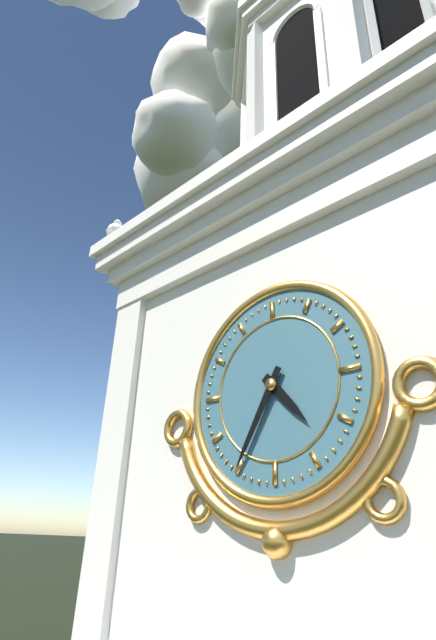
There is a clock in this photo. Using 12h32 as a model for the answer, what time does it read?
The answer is 4h35
